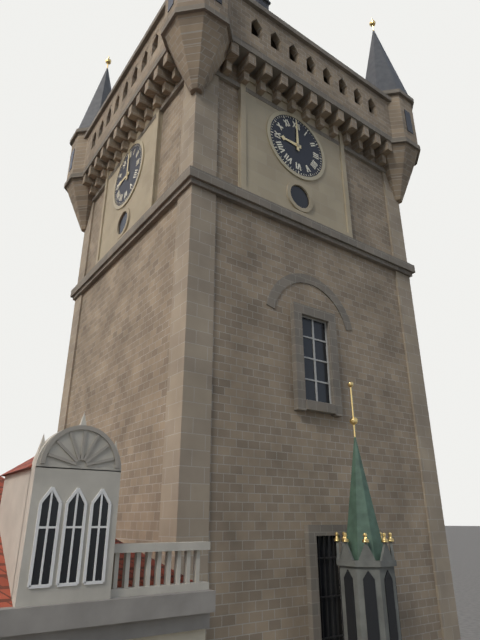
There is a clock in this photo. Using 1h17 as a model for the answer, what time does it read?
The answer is 9h00
